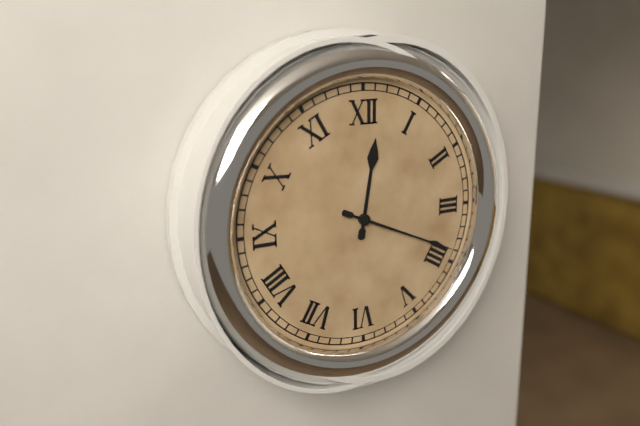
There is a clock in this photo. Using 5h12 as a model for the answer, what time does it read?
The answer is 12h19
